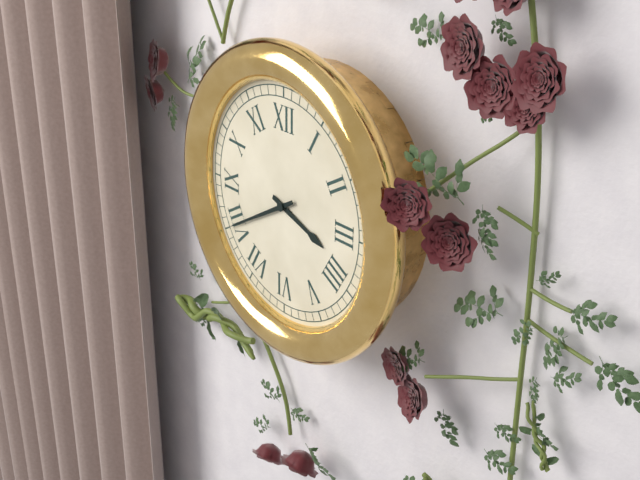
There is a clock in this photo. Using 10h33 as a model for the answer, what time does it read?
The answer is 3h40
